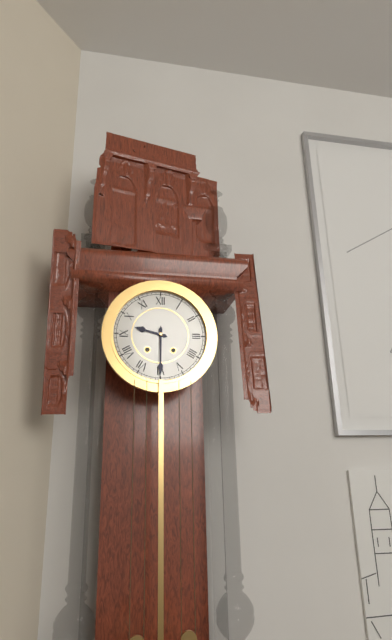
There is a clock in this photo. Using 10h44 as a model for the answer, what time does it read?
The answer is 9h30
